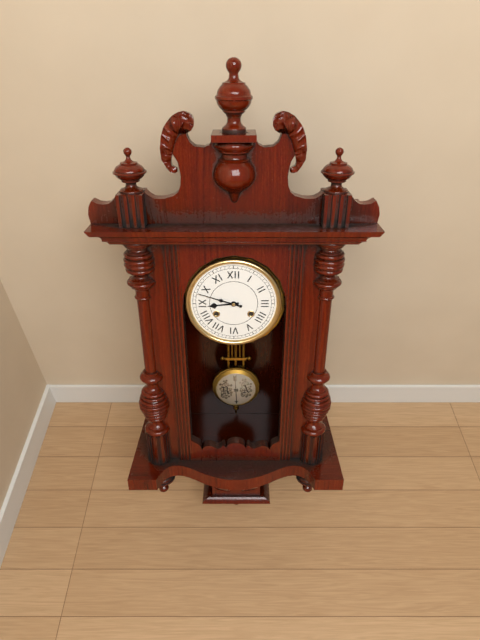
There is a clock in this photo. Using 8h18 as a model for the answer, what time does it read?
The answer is 8h48
